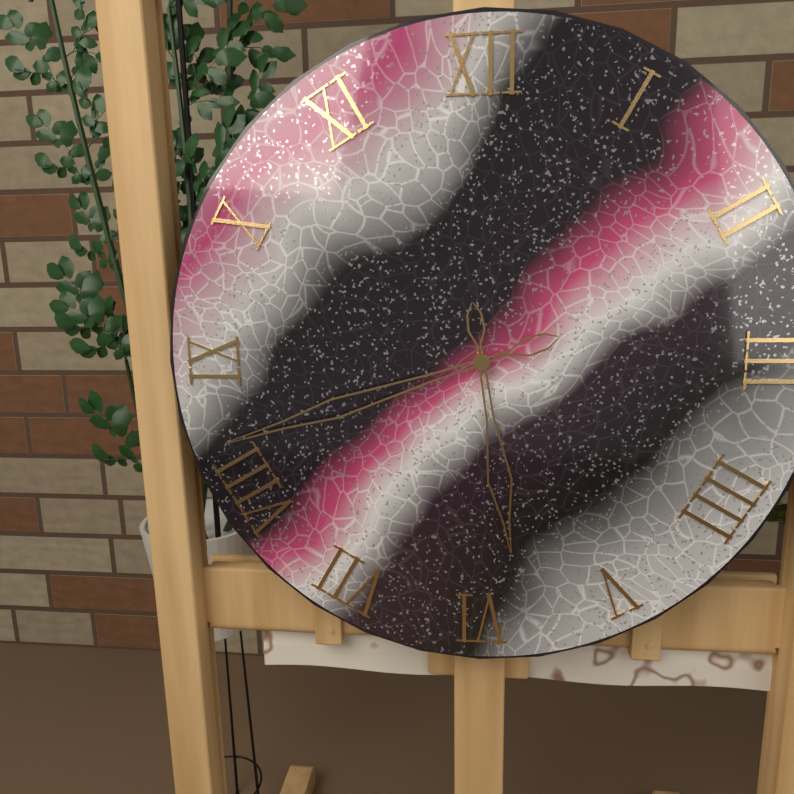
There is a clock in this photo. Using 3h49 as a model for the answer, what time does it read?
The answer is 5h42
